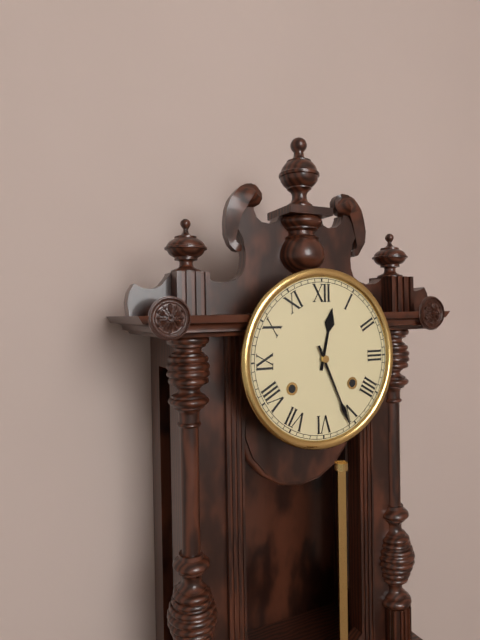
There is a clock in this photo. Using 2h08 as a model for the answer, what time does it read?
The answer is 12h26
